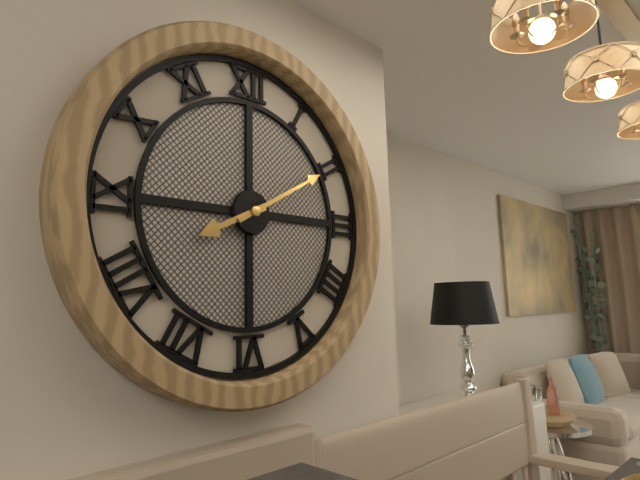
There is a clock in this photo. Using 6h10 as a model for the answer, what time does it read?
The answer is 8h10
